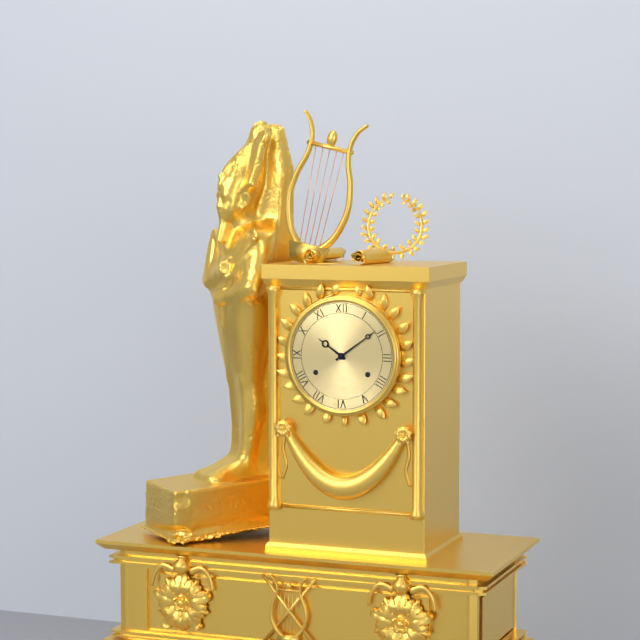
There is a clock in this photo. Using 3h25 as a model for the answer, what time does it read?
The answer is 10h09
